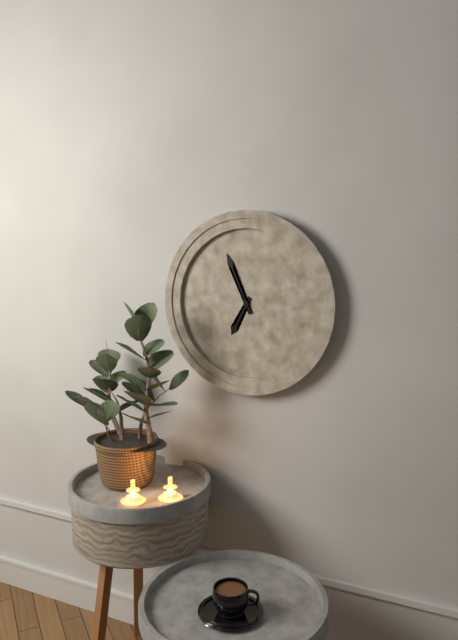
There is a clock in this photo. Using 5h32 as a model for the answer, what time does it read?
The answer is 6h56
